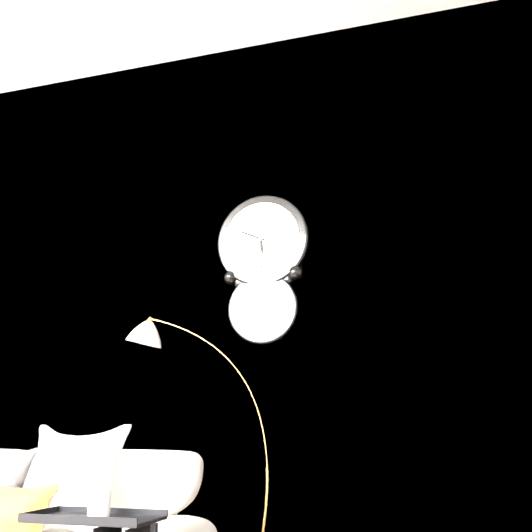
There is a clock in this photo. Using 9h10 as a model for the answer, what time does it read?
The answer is 5h49
